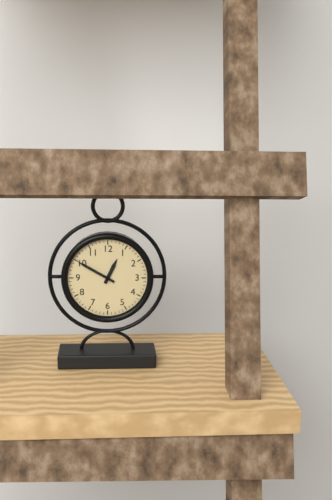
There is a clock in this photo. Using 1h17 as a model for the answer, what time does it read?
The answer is 12h50
